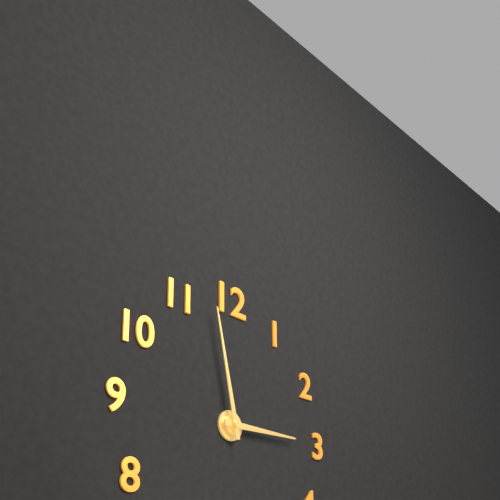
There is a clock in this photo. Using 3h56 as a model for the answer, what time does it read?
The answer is 2h58
